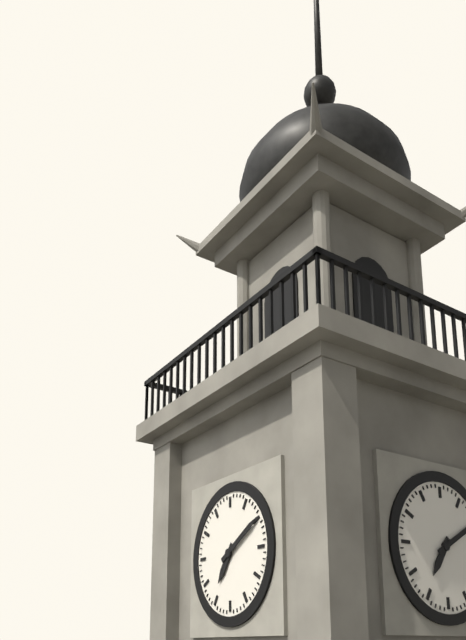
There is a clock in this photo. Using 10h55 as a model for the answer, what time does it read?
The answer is 7h10
